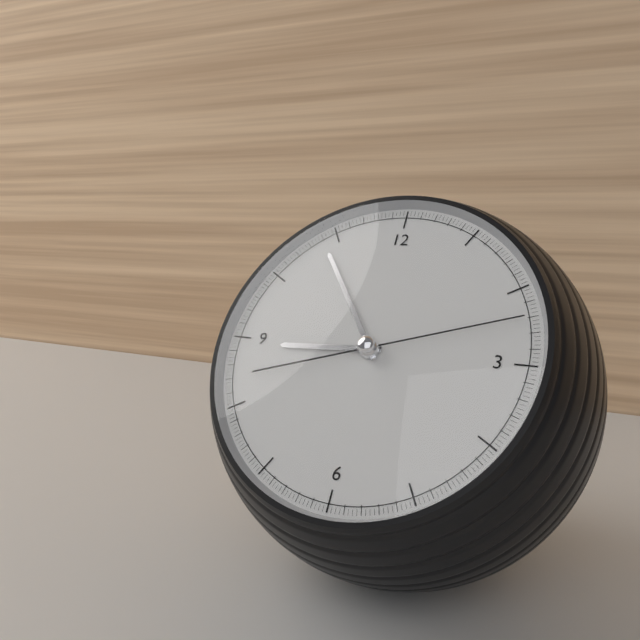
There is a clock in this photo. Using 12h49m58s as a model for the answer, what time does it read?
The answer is 8h54m12s
